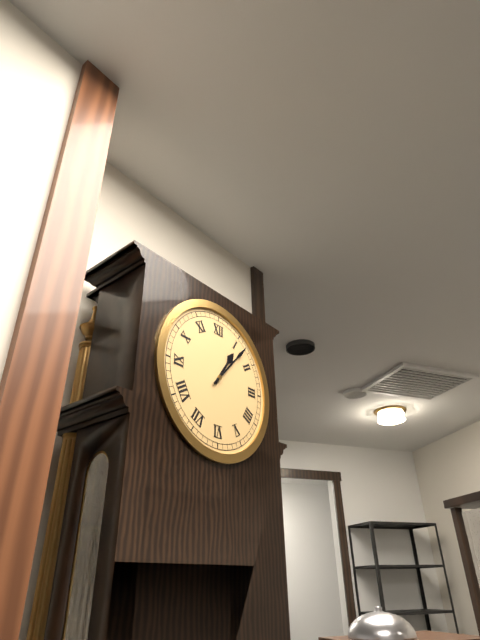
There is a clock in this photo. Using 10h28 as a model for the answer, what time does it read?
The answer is 1h07
